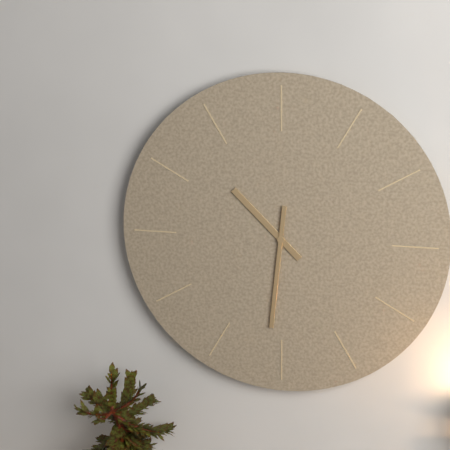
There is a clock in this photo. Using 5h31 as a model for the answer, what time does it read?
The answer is 10h31
